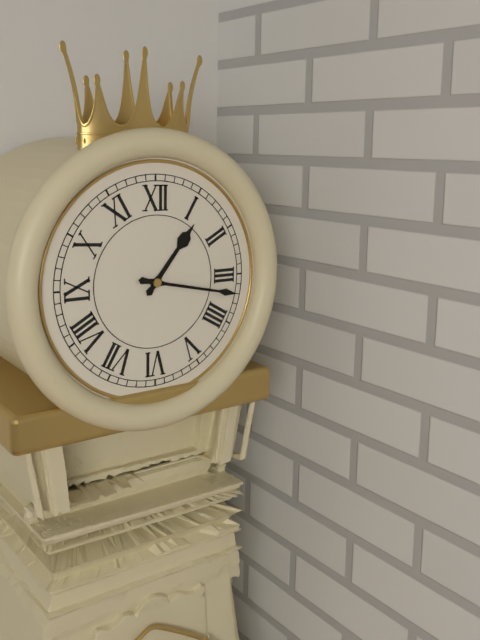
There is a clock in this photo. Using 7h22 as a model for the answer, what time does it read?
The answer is 1h17
